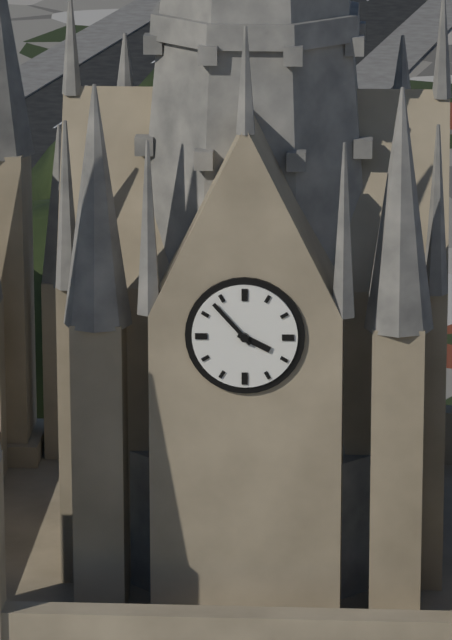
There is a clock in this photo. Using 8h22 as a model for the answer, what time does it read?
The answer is 3h53
